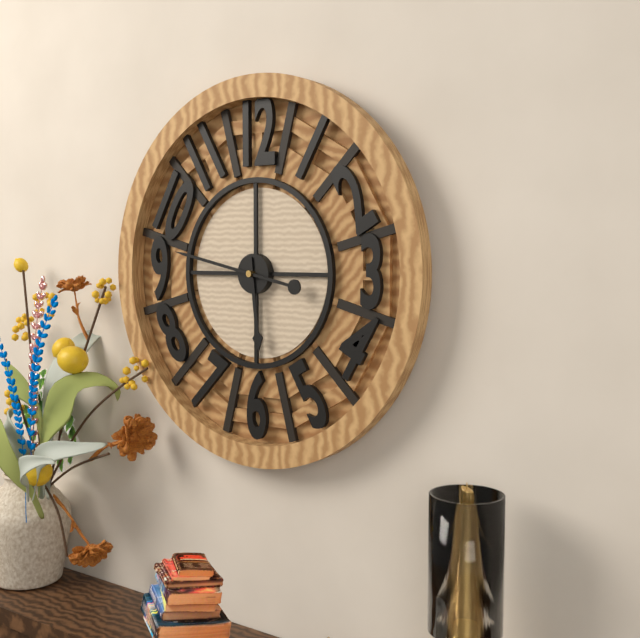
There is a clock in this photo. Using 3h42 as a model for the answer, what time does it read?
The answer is 5h47
